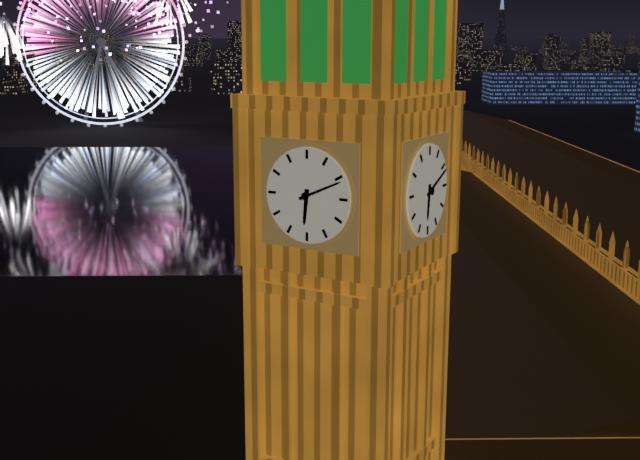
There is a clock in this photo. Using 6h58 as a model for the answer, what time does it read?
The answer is 6h11
